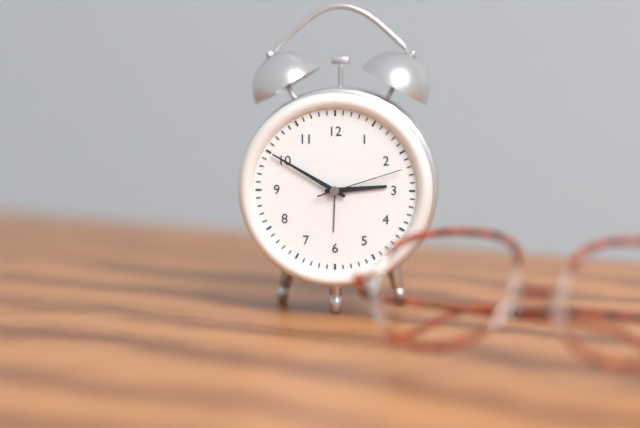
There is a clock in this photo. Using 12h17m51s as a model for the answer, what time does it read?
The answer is 2h50m12s
